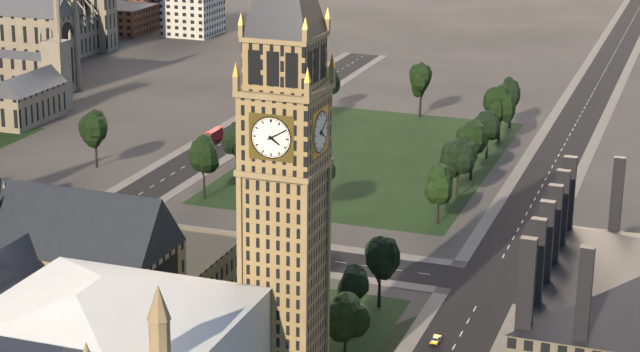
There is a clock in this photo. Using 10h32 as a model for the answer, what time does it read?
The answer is 4h10
